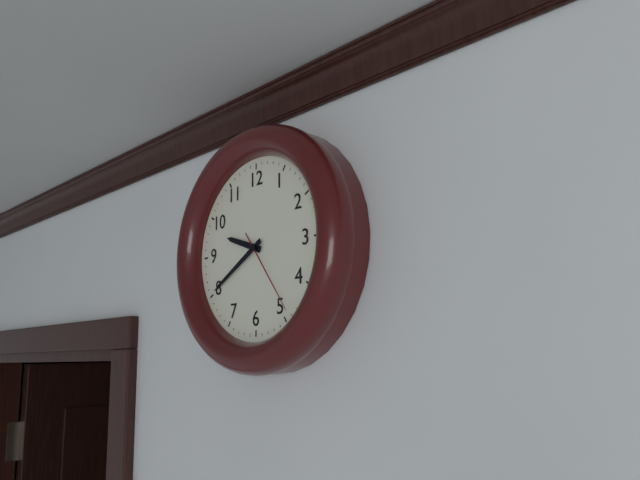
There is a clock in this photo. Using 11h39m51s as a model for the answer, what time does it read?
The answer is 9h40m24s
